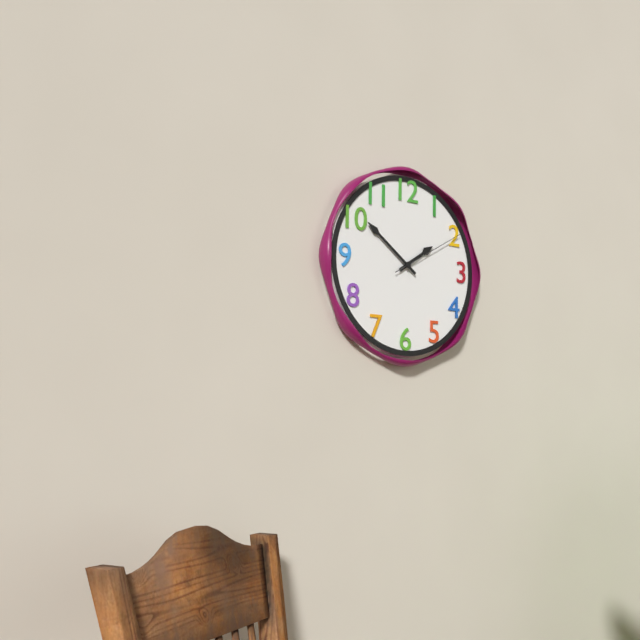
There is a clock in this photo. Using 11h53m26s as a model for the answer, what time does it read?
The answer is 1h51m10s
